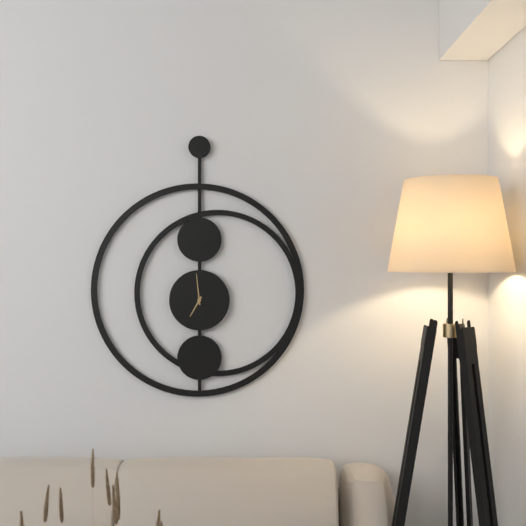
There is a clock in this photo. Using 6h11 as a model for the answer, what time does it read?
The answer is 6h59
